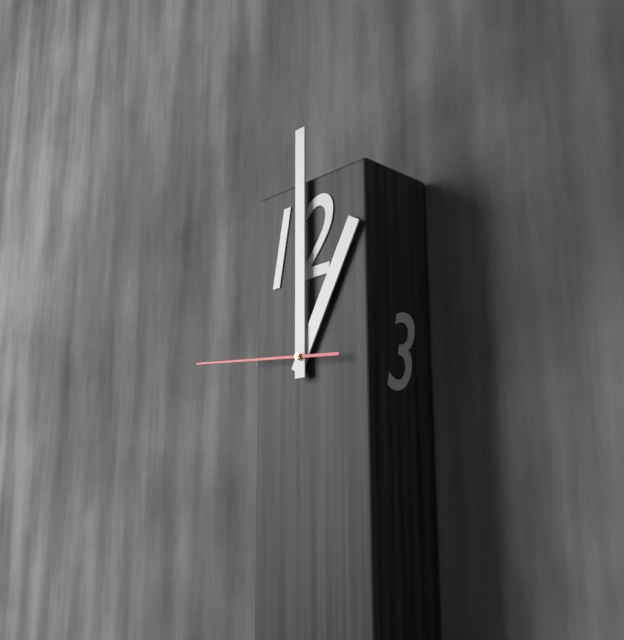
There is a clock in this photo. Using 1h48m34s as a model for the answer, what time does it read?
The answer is 1h00m46s
